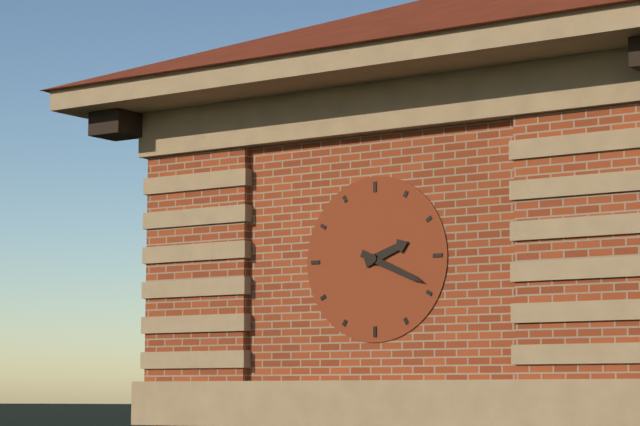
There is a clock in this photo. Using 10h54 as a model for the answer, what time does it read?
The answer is 2h19
